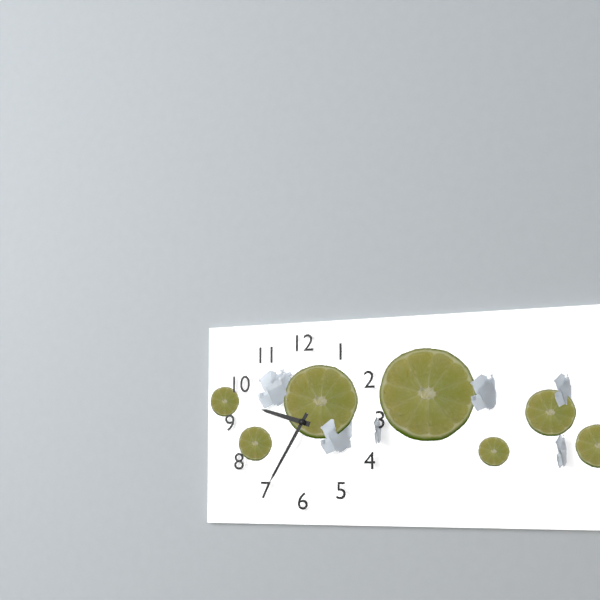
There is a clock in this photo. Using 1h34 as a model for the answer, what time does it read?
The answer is 9h35
